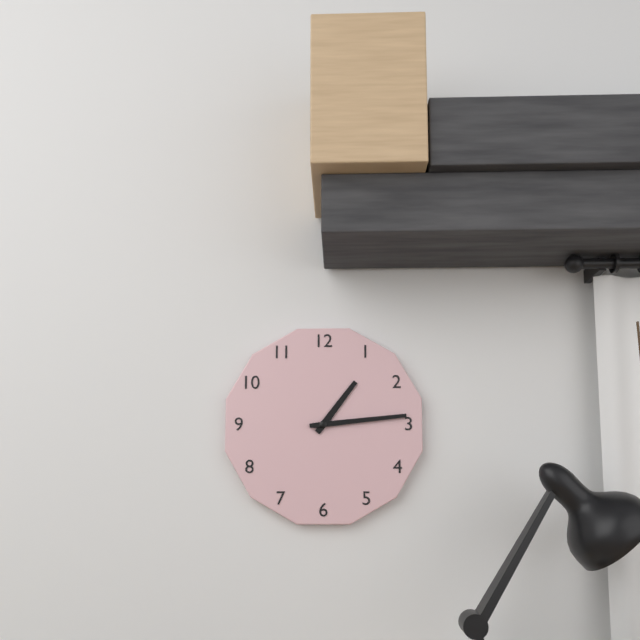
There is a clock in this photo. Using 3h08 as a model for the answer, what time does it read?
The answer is 1h14
